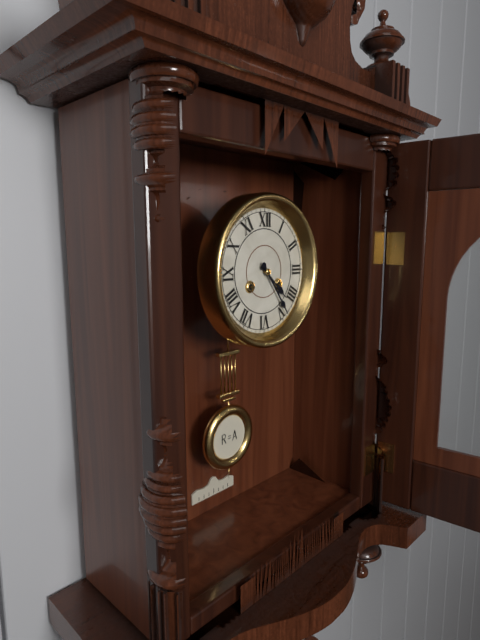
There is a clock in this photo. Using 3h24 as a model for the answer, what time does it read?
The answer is 4h24
